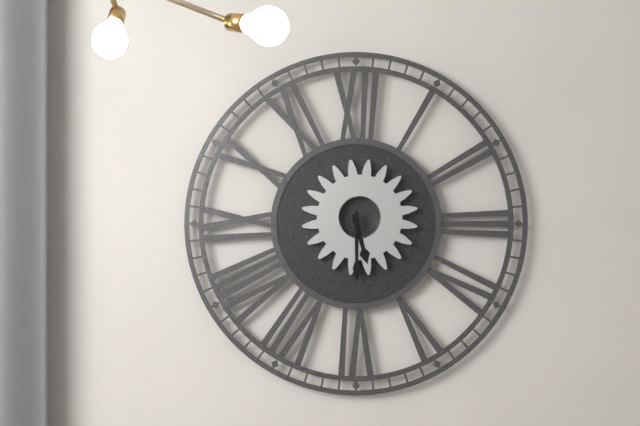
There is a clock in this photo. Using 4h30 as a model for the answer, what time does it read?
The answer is 5h30
